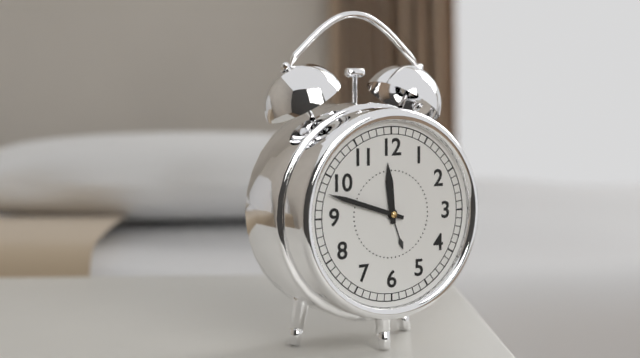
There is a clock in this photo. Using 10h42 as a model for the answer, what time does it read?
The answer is 11h48
